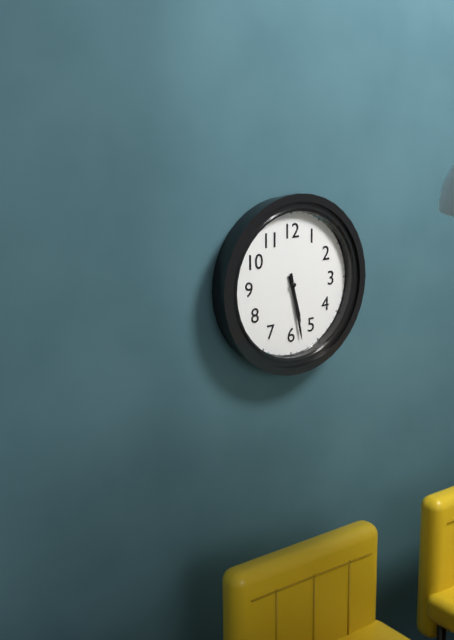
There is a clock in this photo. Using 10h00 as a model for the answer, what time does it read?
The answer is 5h28
